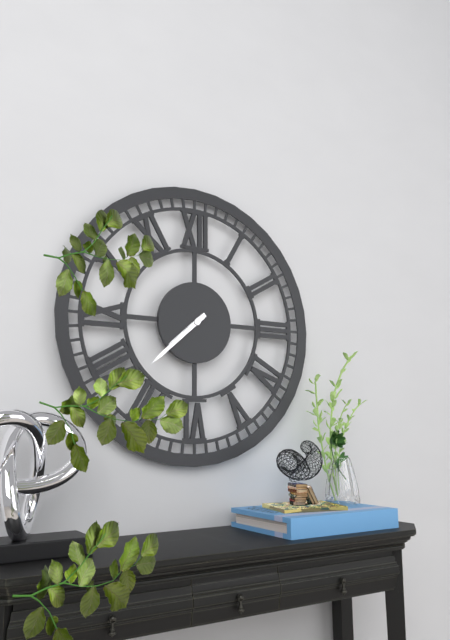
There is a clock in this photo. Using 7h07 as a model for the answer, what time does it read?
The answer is 7h38
